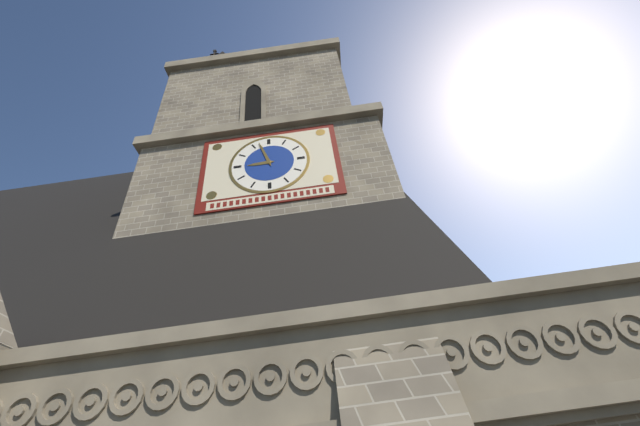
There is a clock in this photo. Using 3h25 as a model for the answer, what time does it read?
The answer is 8h57
